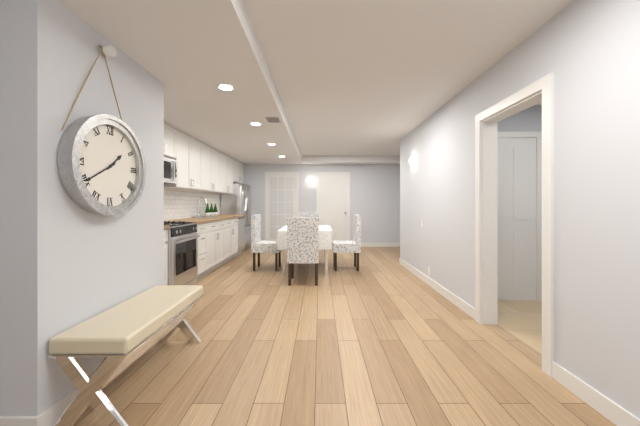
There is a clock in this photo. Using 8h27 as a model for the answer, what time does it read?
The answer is 1h40
